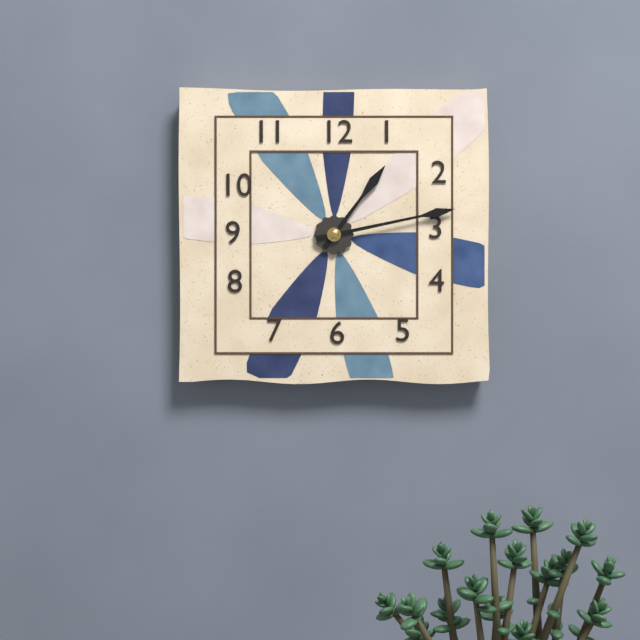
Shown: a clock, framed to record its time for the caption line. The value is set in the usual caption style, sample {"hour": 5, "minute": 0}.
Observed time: {"hour": 1, "minute": 13}
